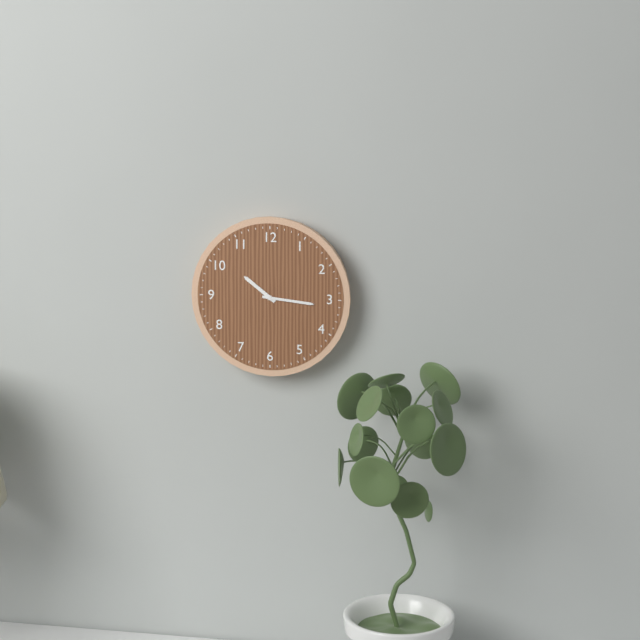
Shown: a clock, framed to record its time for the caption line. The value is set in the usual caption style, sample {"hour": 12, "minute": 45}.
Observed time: {"hour": 10, "minute": 16}
